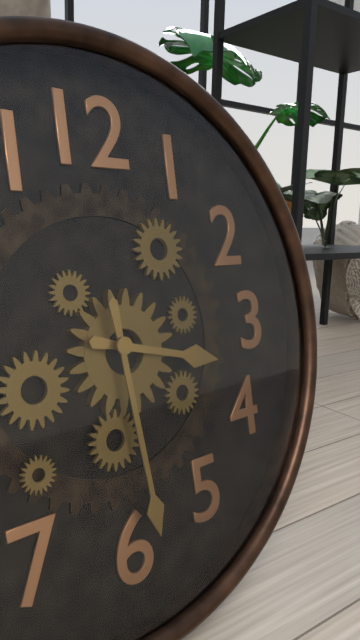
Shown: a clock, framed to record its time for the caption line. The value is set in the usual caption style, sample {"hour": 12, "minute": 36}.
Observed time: {"hour": 3, "minute": 29}
